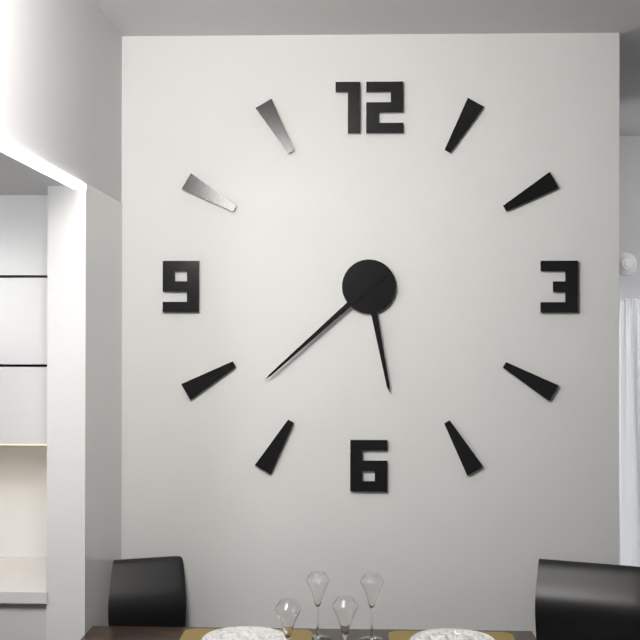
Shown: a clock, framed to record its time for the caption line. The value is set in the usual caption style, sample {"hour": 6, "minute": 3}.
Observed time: {"hour": 5, "minute": 38}
